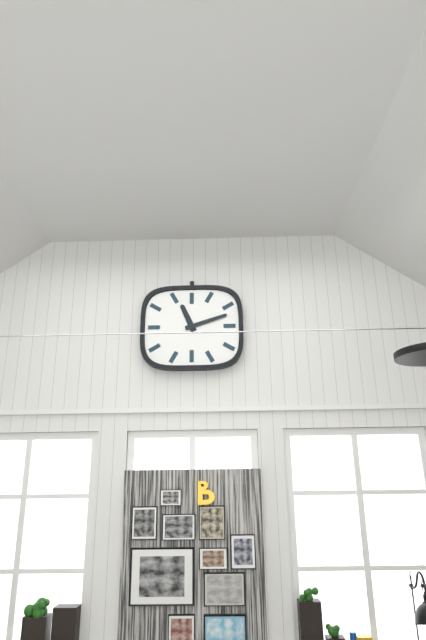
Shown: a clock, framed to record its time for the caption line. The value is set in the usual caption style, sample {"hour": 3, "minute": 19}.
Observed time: {"hour": 11, "minute": 12}
